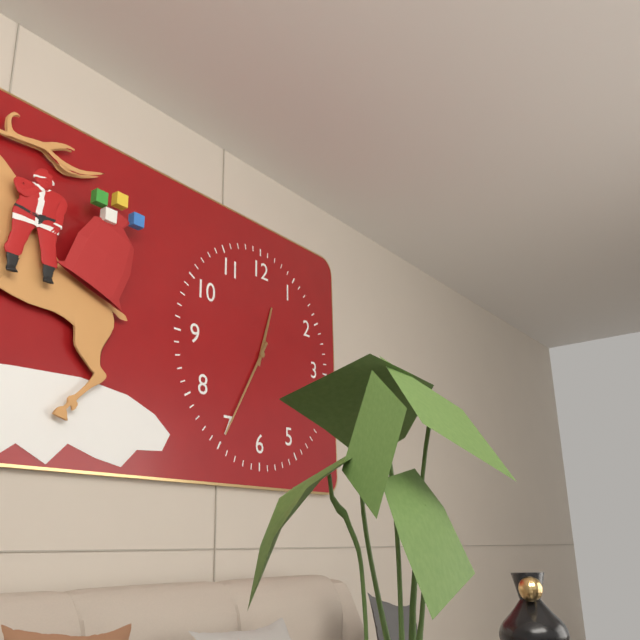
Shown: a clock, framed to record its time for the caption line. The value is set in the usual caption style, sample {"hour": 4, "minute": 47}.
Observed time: {"hour": 12, "minute": 35}
